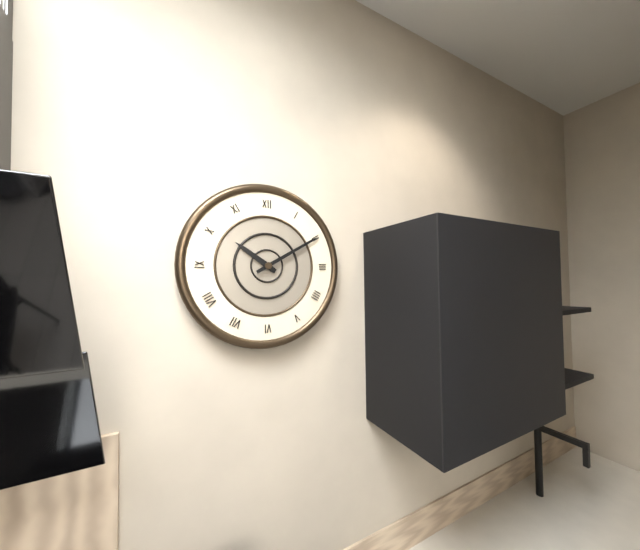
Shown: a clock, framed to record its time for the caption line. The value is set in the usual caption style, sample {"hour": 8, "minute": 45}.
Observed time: {"hour": 10, "minute": 10}
